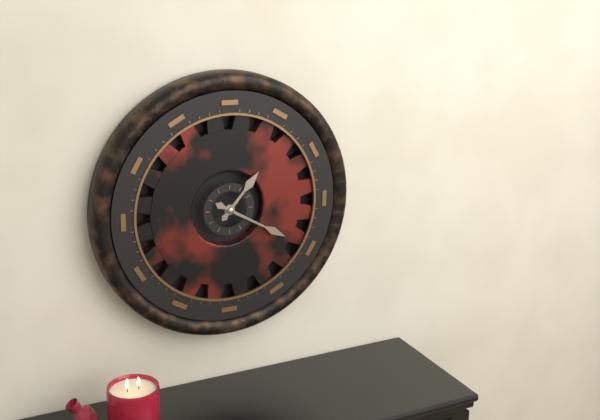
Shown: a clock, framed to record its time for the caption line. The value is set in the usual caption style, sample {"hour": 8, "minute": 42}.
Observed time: {"hour": 1, "minute": 20}
